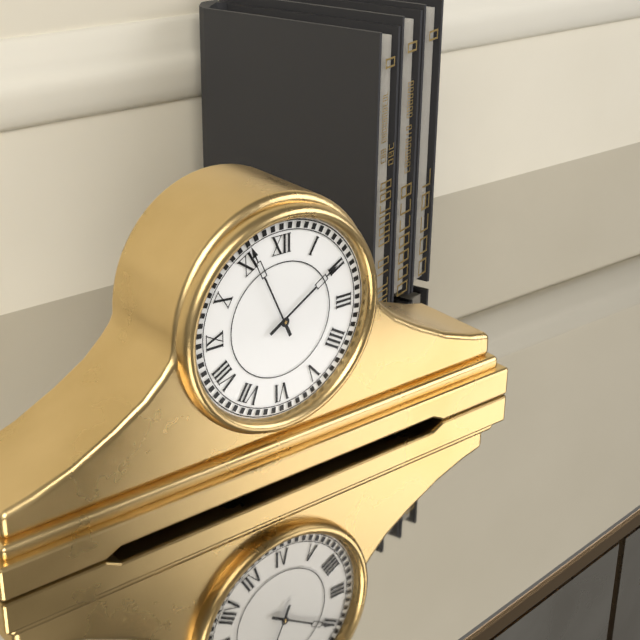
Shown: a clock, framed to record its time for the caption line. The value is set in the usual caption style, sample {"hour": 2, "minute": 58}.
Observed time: {"hour": 1, "minute": 56}
